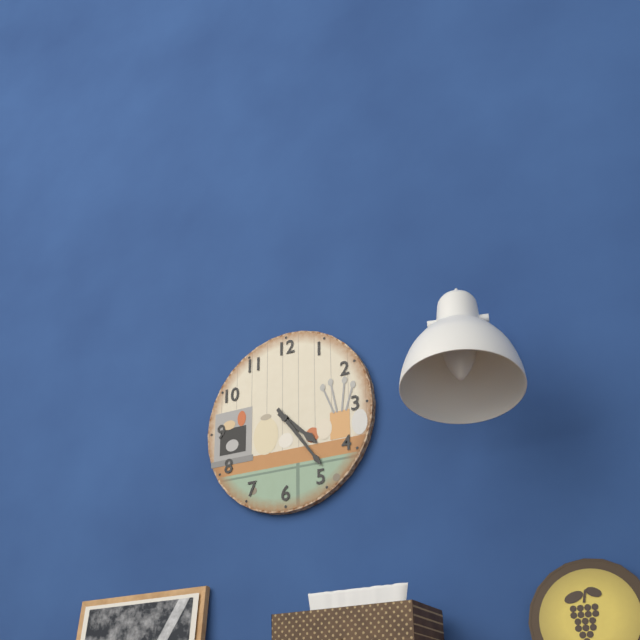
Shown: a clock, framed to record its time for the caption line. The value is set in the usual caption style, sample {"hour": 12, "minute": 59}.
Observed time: {"hour": 4, "minute": 24}
